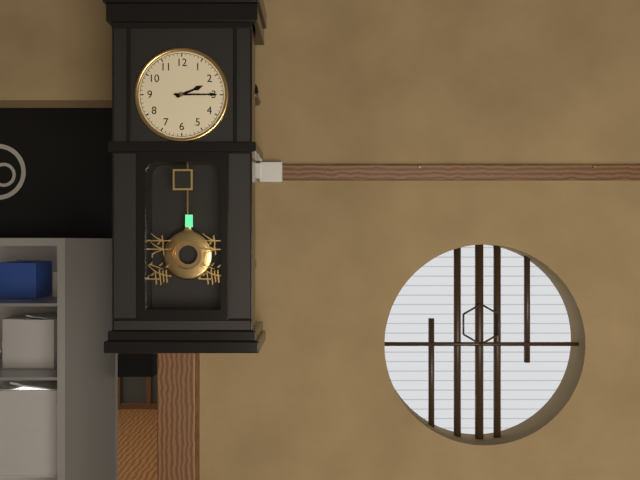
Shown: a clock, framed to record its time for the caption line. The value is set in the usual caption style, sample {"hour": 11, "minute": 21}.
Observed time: {"hour": 2, "minute": 15}
